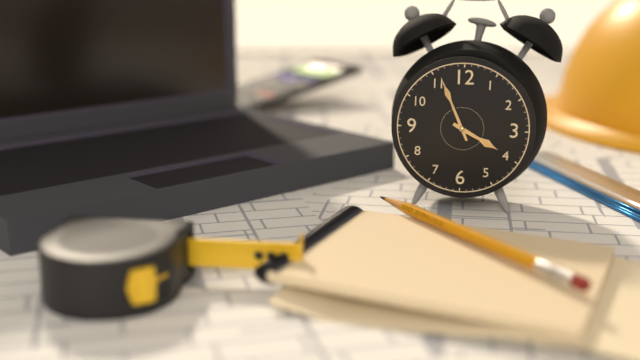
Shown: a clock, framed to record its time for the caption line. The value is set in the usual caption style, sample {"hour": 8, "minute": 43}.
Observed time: {"hour": 3, "minute": 56}
